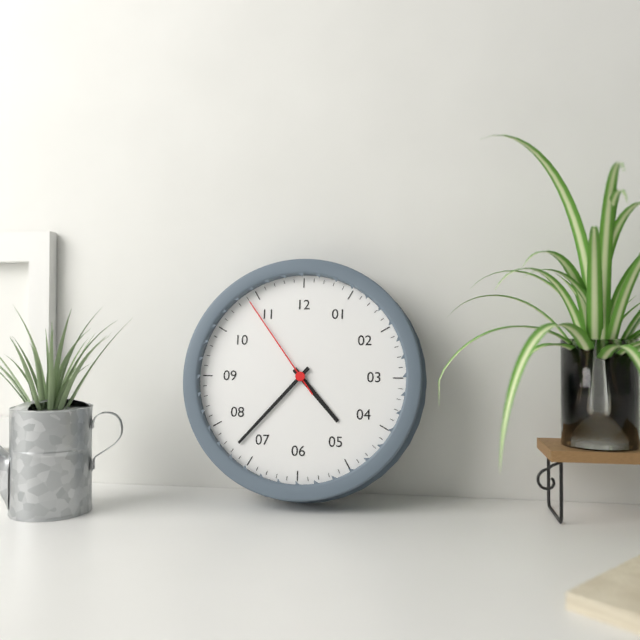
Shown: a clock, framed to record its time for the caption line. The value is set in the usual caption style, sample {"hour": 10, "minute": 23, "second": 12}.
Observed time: {"hour": 4, "minute": 37, "second": 54}
